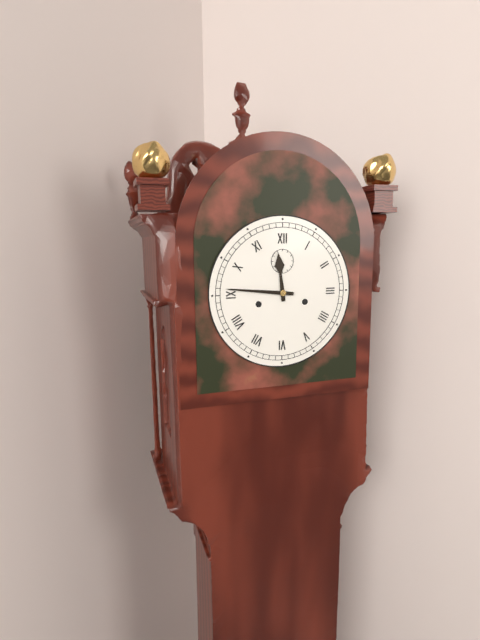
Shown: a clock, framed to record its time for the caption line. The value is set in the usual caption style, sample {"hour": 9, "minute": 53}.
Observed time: {"hour": 11, "minute": 46}
